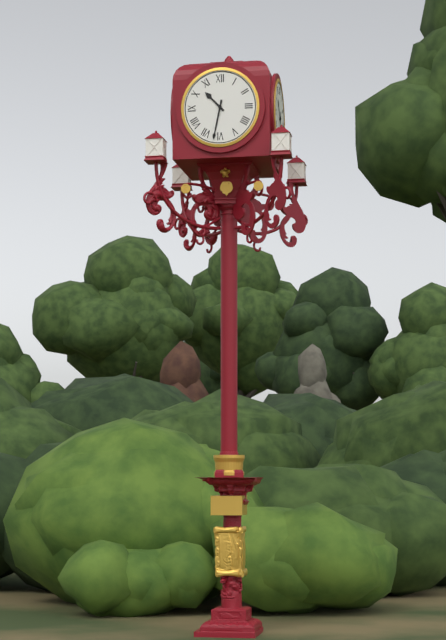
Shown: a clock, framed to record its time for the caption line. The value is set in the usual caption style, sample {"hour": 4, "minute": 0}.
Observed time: {"hour": 10, "minute": 32}
